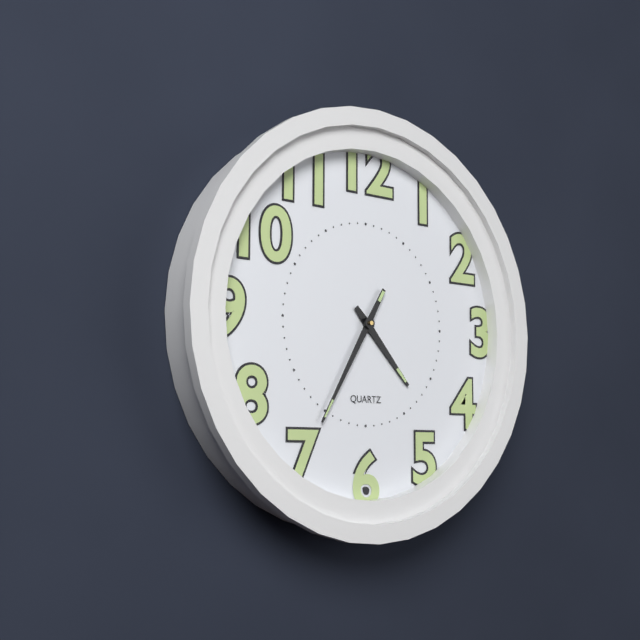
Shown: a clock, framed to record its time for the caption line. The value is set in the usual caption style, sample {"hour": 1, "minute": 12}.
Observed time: {"hour": 4, "minute": 35}
